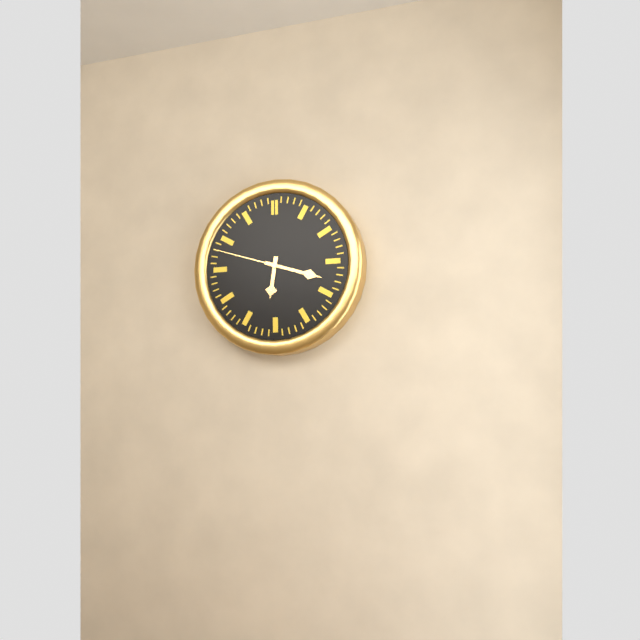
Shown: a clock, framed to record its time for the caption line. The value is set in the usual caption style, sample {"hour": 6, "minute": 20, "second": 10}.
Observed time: {"hour": 6, "minute": 18, "second": 48}
